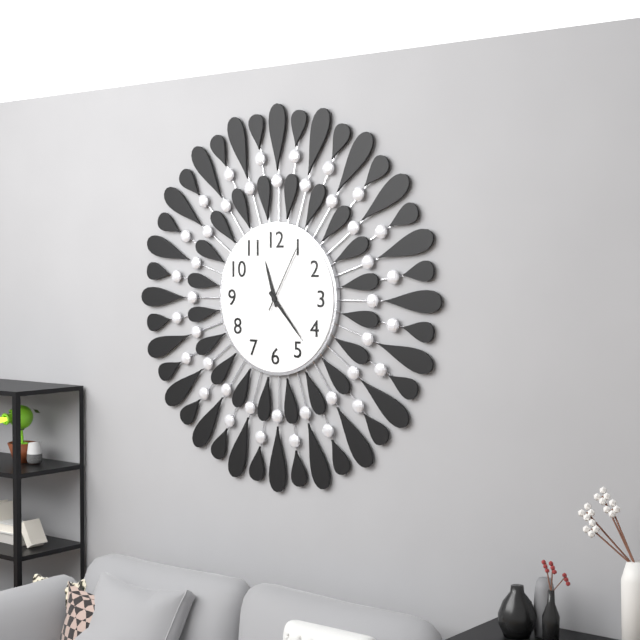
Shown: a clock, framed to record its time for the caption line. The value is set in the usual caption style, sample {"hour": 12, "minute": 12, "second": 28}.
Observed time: {"hour": 11, "minute": 23, "second": 5}
